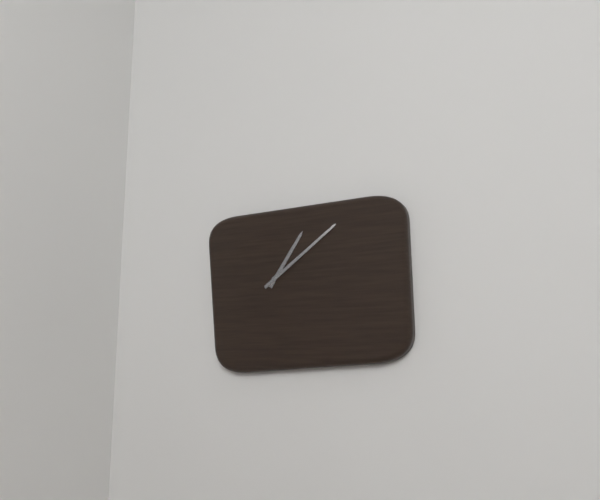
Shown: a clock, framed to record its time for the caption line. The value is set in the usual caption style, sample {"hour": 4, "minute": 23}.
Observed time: {"hour": 1, "minute": 9}
